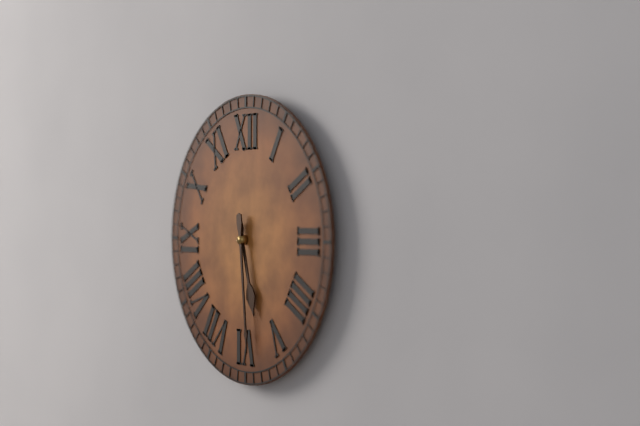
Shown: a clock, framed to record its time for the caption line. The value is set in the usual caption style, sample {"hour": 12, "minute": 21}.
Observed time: {"hour": 5, "minute": 29}
